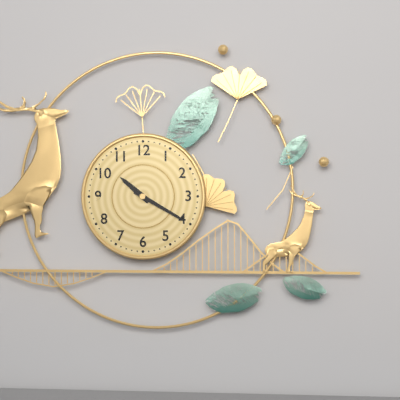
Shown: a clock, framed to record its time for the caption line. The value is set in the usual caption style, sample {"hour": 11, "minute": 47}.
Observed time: {"hour": 10, "minute": 20}
